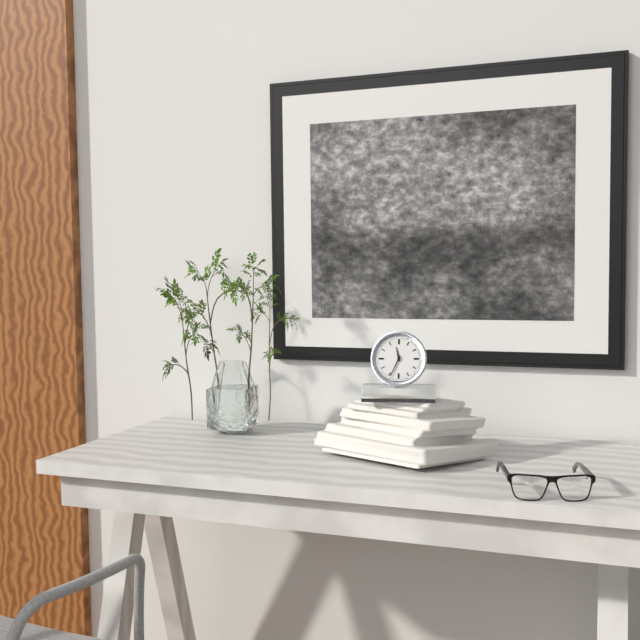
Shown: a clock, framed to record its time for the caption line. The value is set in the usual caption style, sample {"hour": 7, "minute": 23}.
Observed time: {"hour": 11, "minute": 34}
